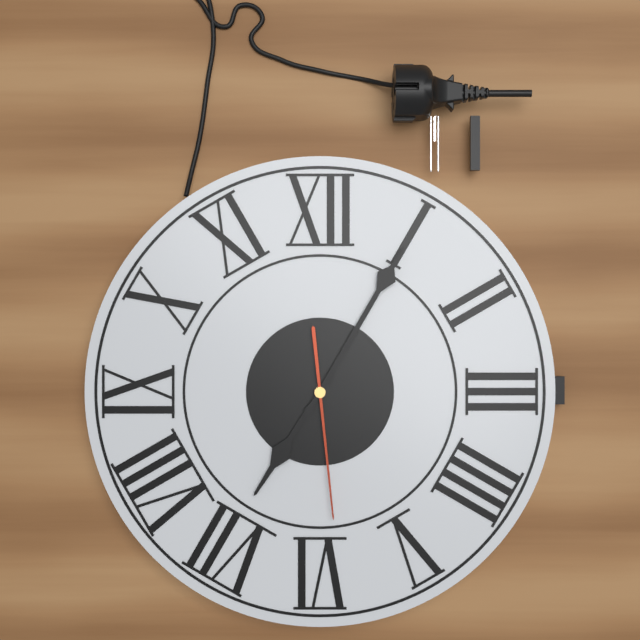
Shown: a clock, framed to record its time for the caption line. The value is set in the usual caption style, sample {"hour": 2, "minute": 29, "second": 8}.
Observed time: {"hour": 7, "minute": 5, "second": 29}
